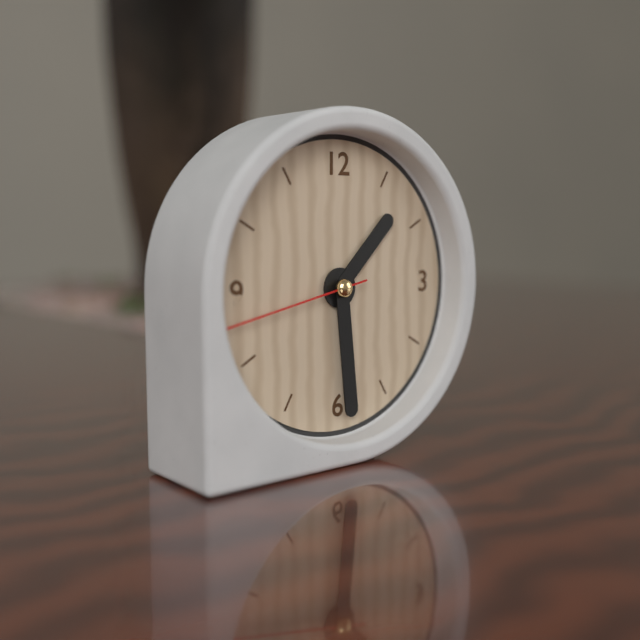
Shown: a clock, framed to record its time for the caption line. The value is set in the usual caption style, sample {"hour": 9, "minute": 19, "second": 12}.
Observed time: {"hour": 1, "minute": 29, "second": 43}
